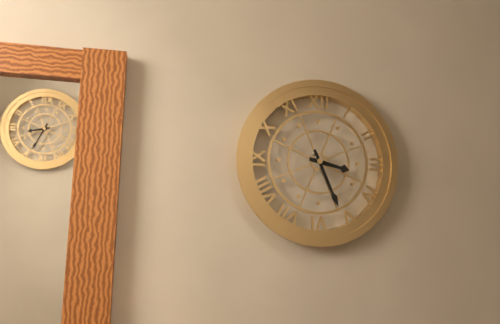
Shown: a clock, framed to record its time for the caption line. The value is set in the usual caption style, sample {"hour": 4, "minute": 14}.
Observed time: {"hour": 3, "minute": 26}
